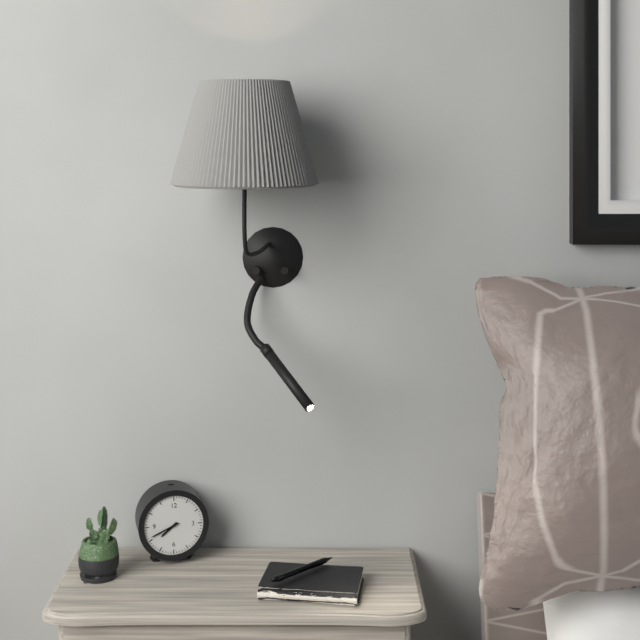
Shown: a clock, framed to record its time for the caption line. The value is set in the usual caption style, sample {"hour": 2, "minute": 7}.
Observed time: {"hour": 7, "minute": 41}
